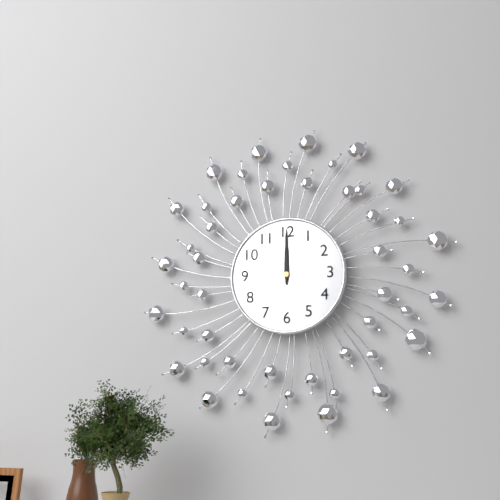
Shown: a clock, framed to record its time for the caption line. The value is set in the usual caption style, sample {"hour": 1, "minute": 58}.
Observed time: {"hour": 12, "minute": 0}
